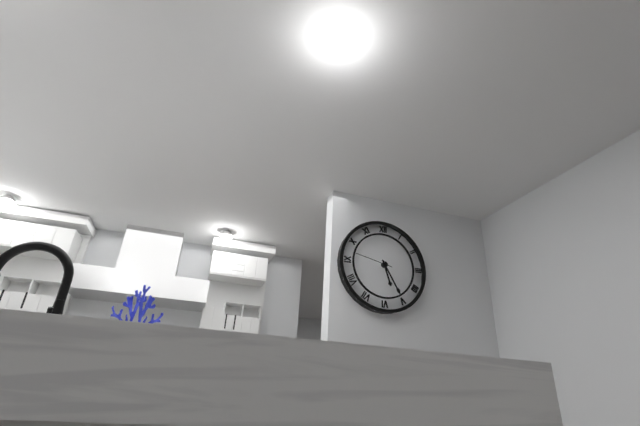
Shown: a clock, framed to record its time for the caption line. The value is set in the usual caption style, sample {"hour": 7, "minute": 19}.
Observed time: {"hour": 5, "minute": 25}
